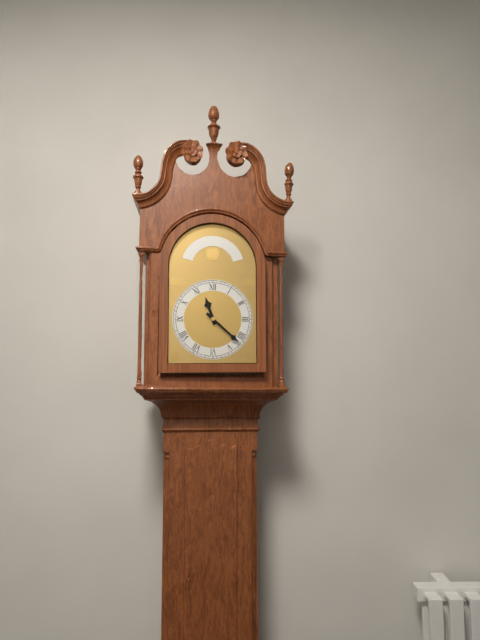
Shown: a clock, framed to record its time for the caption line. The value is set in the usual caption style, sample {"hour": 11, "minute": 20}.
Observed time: {"hour": 11, "minute": 22}
